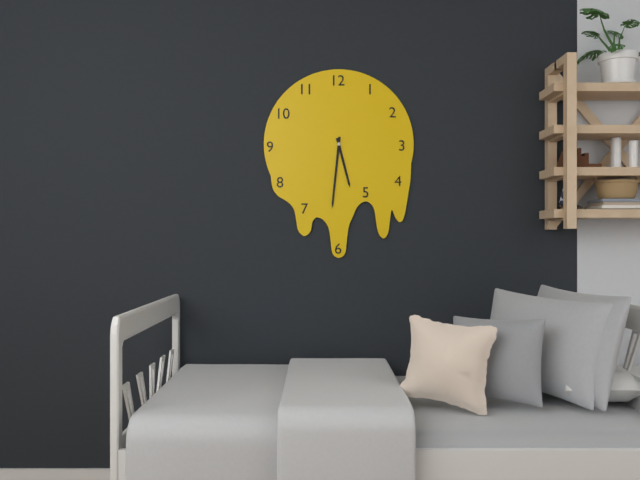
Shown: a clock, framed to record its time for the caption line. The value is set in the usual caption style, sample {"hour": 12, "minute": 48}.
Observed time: {"hour": 5, "minute": 31}
